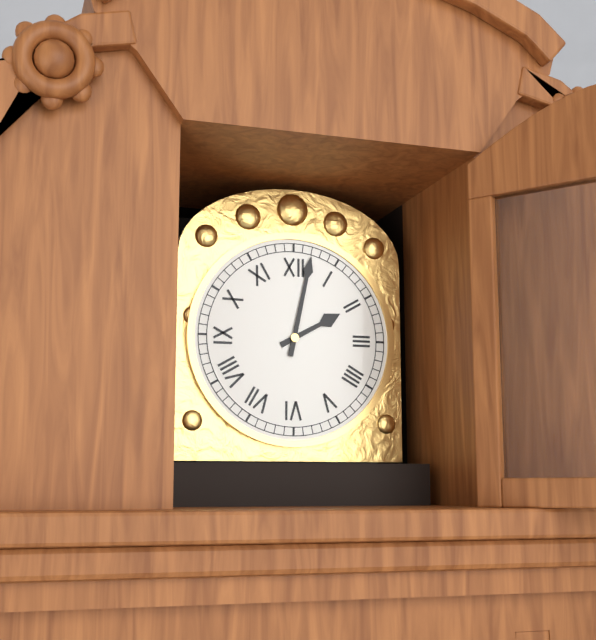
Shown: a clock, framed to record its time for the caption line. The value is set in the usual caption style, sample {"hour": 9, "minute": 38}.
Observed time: {"hour": 2, "minute": 2}
